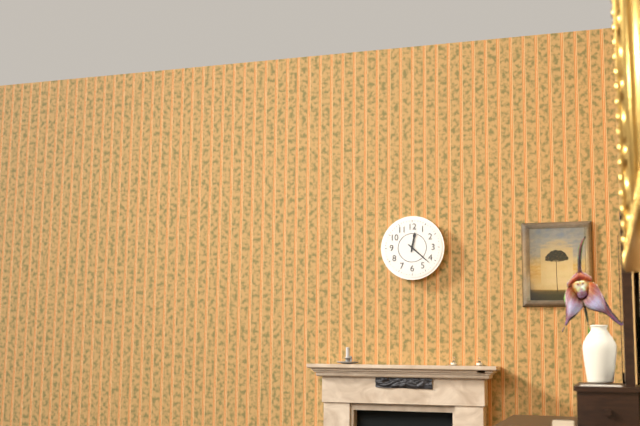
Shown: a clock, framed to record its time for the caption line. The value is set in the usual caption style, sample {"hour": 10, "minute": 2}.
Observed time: {"hour": 12, "minute": 22}
